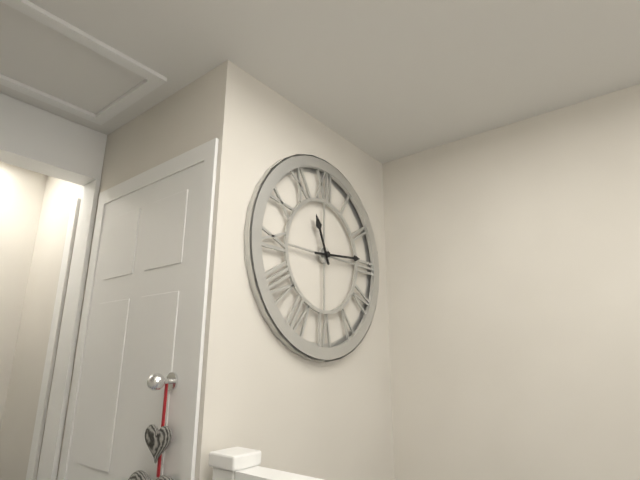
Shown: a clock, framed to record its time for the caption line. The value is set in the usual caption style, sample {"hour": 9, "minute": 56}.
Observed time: {"hour": 11, "minute": 14}
